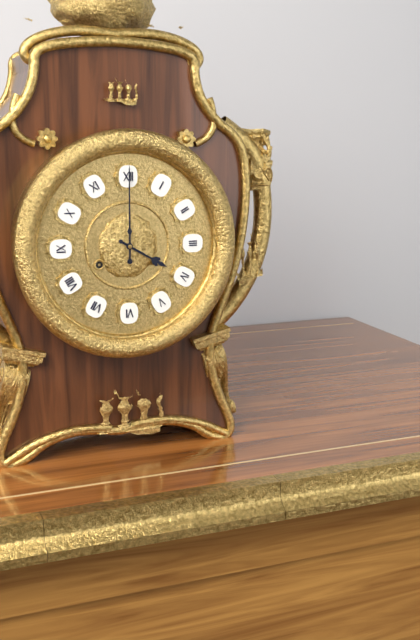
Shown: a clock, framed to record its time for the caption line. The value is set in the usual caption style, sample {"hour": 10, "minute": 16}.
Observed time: {"hour": 4, "minute": 0}
